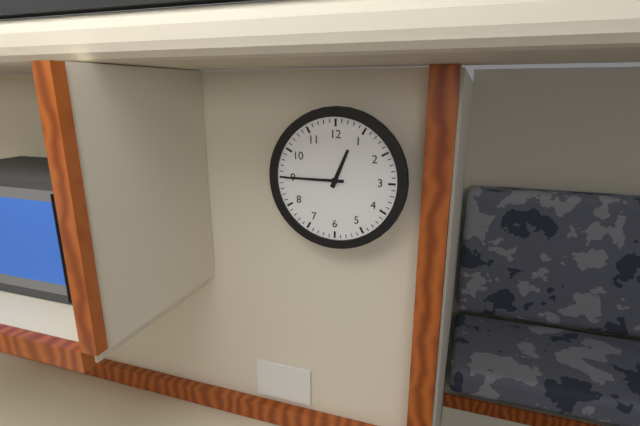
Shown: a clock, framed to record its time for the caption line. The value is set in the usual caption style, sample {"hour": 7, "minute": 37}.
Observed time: {"hour": 12, "minute": 45}
